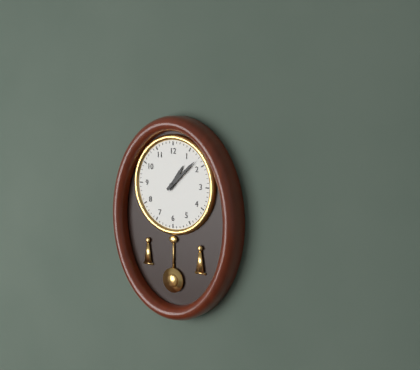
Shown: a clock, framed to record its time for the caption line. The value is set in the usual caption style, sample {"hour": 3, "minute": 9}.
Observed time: {"hour": 1, "minute": 8}
